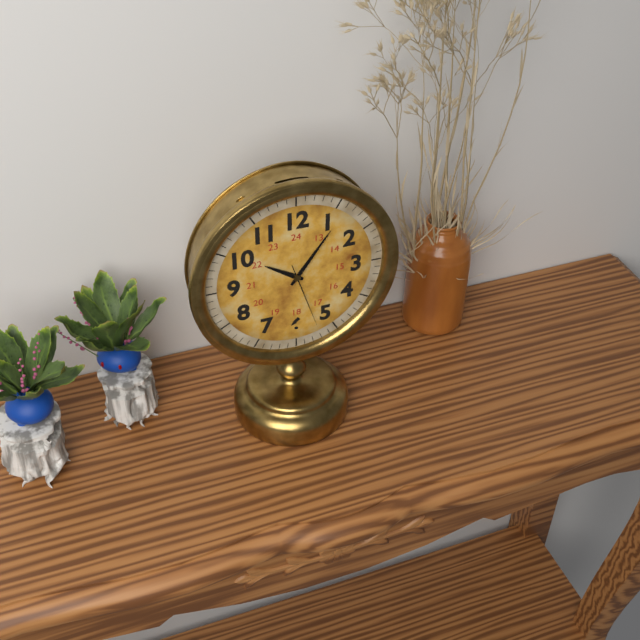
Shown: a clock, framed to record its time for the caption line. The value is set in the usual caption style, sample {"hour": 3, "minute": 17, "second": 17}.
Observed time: {"hour": 10, "minute": 6, "second": 27}
